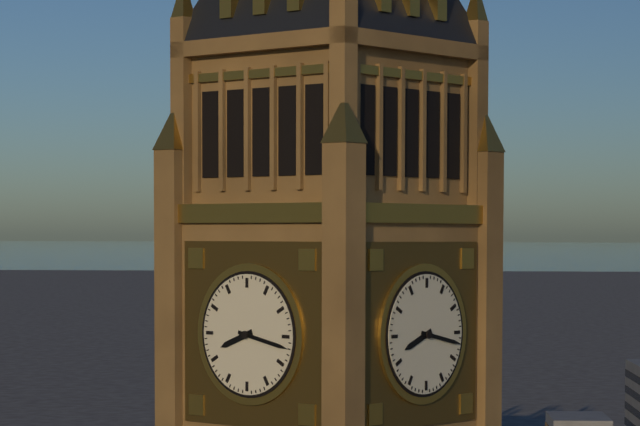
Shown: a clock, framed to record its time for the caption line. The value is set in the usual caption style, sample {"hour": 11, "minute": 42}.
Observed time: {"hour": 8, "minute": 17}
